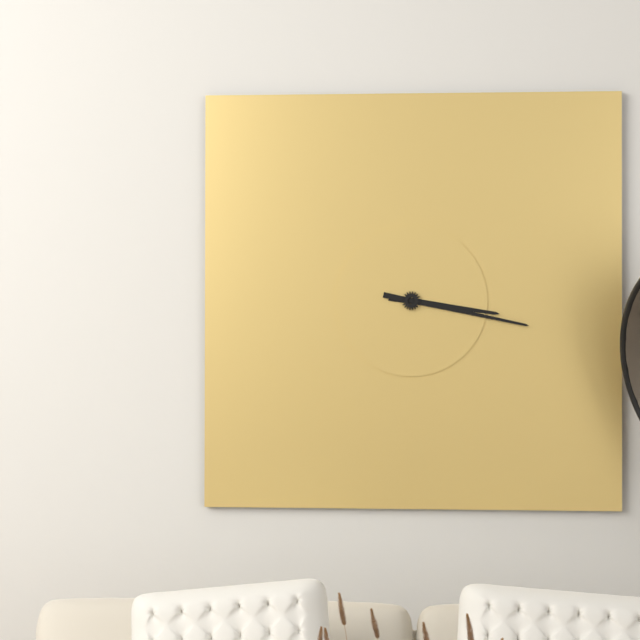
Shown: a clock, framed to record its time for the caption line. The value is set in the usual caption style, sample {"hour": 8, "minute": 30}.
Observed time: {"hour": 3, "minute": 17}
